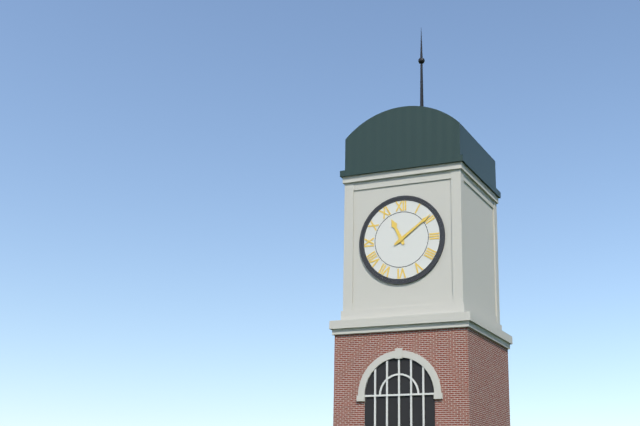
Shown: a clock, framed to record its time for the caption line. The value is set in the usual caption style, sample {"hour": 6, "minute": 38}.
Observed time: {"hour": 11, "minute": 9}
